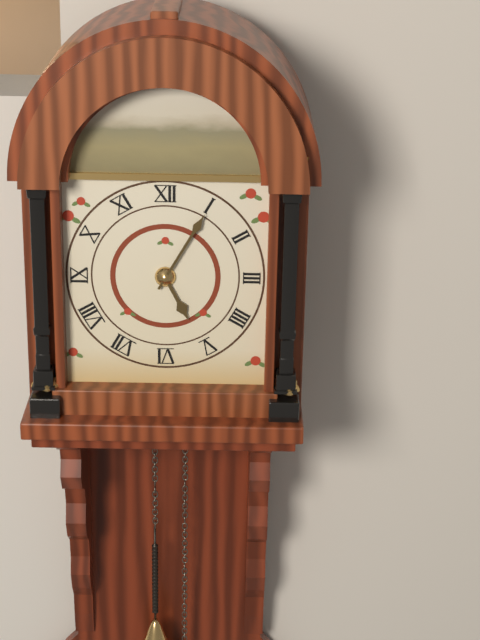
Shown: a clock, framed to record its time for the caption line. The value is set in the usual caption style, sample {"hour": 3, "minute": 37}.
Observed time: {"hour": 5, "minute": 5}
